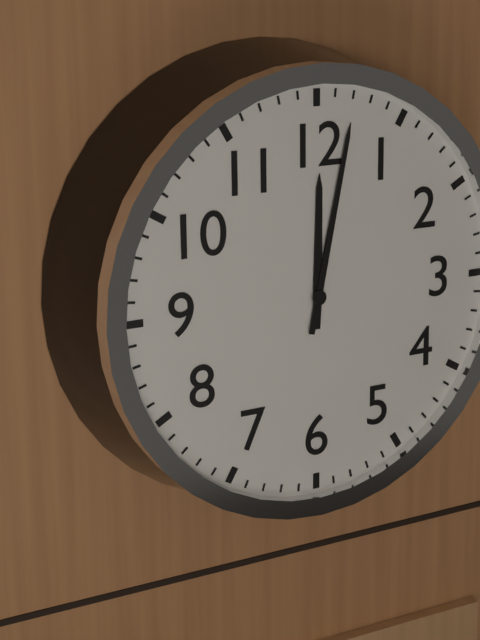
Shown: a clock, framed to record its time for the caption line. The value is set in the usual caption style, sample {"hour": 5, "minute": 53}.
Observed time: {"hour": 12, "minute": 2}
